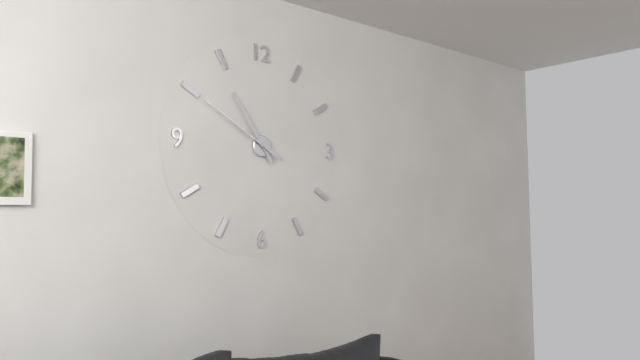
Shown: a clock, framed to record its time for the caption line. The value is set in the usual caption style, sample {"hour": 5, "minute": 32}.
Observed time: {"hour": 10, "minute": 50}
